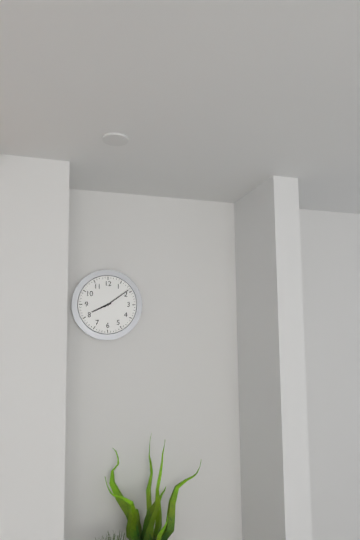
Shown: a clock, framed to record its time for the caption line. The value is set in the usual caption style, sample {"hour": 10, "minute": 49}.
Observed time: {"hour": 8, "minute": 9}
